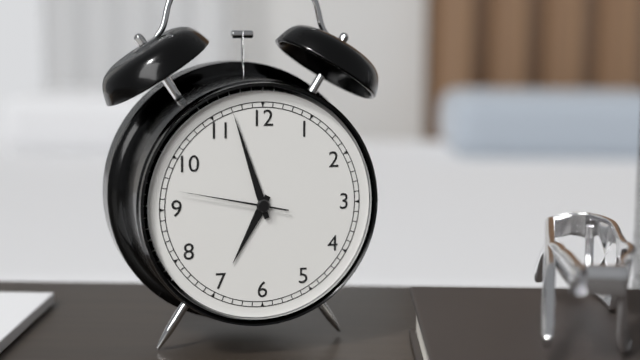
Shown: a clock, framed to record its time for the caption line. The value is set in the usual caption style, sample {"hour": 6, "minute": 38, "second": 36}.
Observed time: {"hour": 6, "minute": 57, "second": 47}
